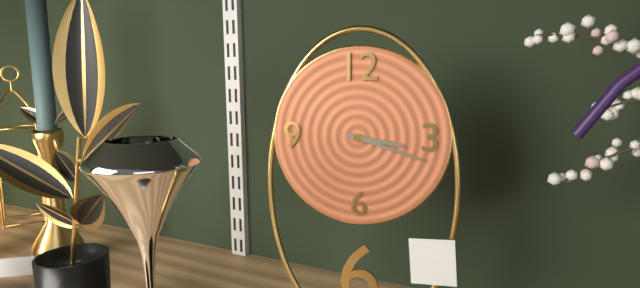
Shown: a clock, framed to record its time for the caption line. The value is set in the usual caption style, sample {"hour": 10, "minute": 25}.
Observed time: {"hour": 3, "minute": 18}
